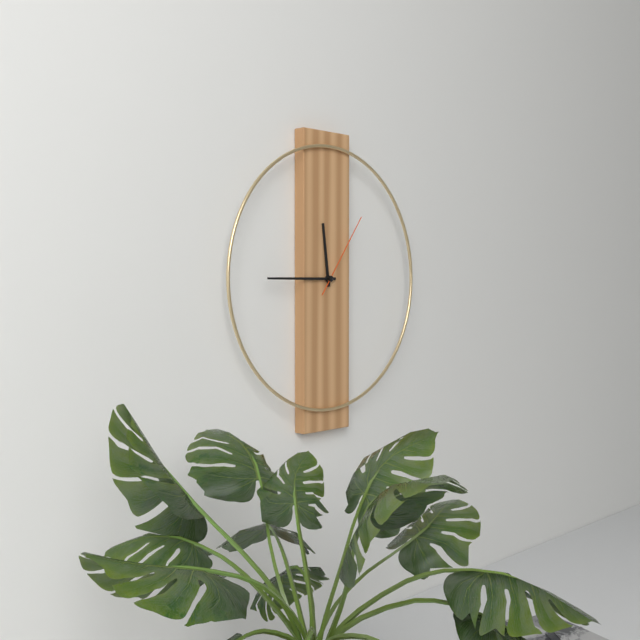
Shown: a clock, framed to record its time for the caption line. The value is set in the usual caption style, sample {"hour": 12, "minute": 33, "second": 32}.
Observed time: {"hour": 11, "minute": 45, "second": 6}
